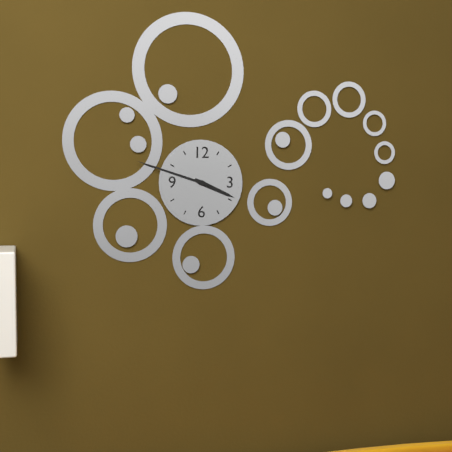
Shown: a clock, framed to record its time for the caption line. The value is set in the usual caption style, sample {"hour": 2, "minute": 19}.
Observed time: {"hour": 3, "minute": 48}
